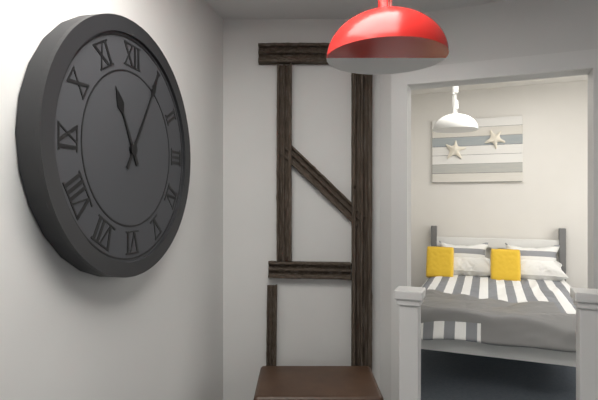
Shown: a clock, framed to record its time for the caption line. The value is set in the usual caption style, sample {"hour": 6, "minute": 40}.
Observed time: {"hour": 11, "minute": 5}
